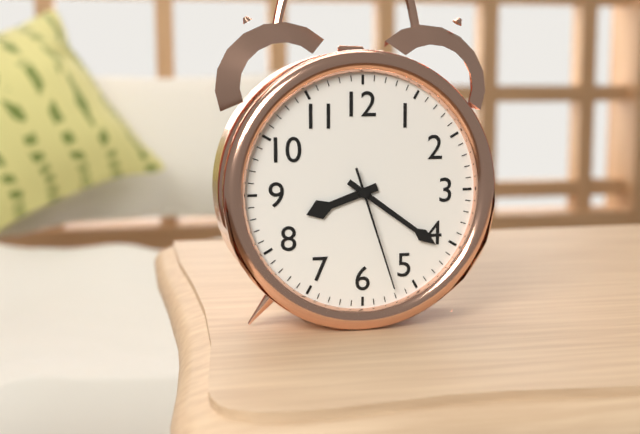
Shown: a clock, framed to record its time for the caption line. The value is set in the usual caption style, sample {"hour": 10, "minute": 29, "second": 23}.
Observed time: {"hour": 8, "minute": 21, "second": 27}
